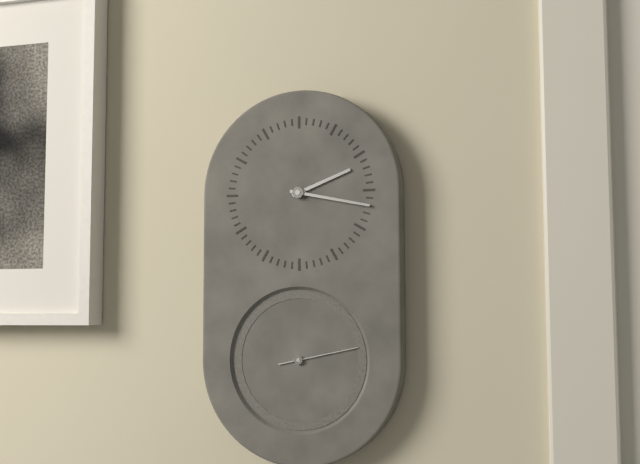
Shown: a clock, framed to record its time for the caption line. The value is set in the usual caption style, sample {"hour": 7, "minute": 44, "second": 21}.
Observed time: {"hour": 2, "minute": 17, "second": 13}
